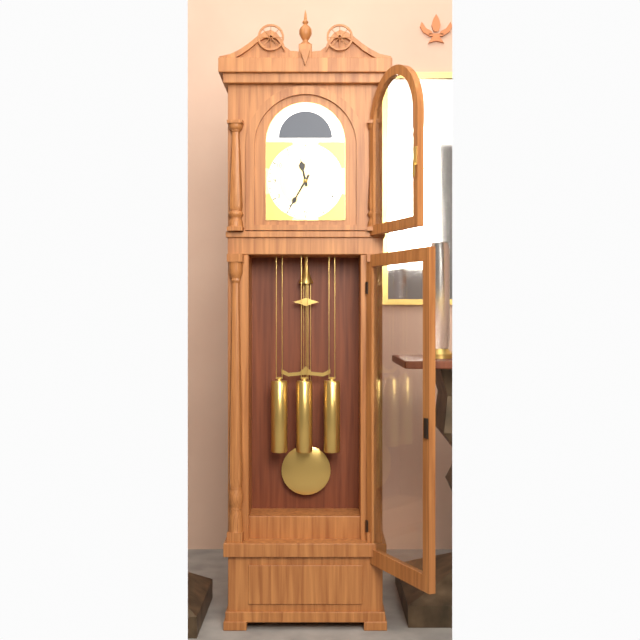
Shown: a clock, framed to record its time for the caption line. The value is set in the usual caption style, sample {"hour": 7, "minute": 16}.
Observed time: {"hour": 11, "minute": 35}
